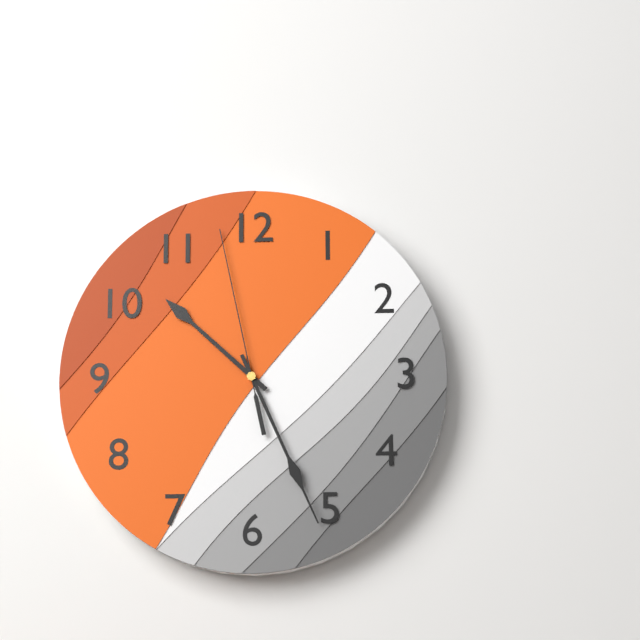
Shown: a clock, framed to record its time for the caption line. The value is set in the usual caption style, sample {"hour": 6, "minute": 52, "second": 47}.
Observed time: {"hour": 10, "minute": 26, "second": 58}
